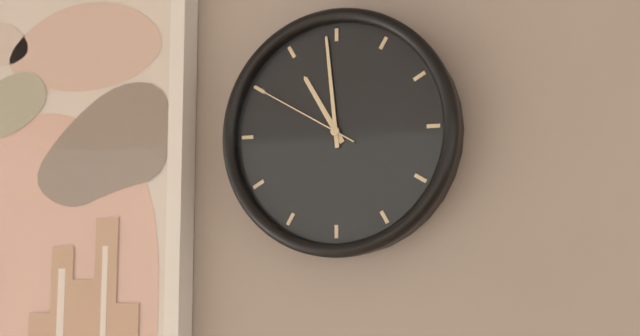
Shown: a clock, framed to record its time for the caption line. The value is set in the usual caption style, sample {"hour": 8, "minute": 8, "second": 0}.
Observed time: {"hour": 10, "minute": 59, "second": 50}
